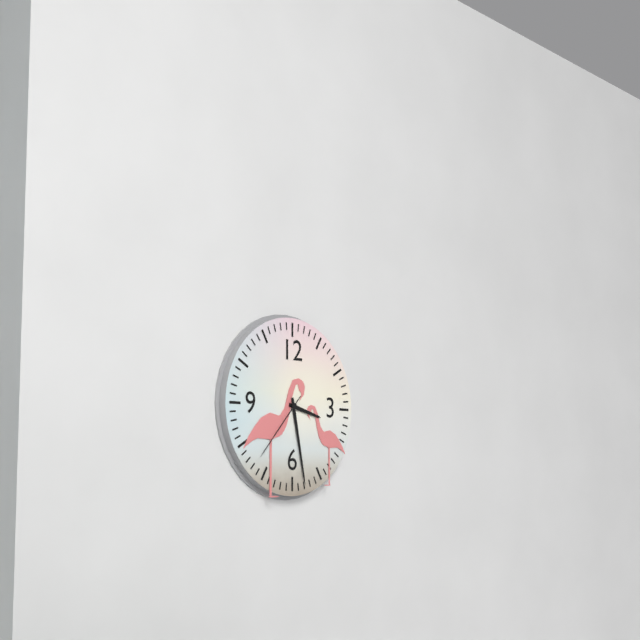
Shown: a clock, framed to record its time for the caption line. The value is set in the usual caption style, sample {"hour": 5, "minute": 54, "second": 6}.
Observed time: {"hour": 3, "minute": 28, "second": 37}
